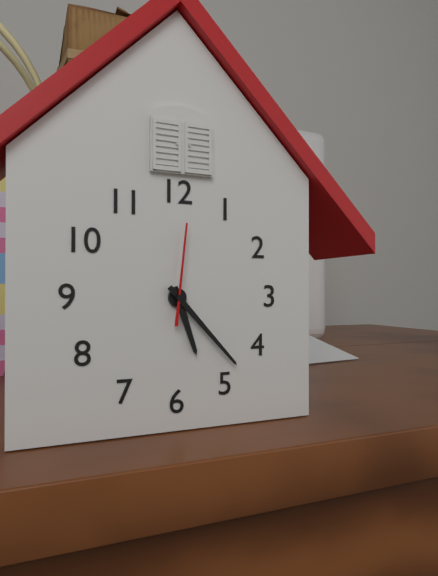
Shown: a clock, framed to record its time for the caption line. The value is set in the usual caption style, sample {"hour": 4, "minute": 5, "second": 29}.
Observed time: {"hour": 5, "minute": 23, "second": 1}
